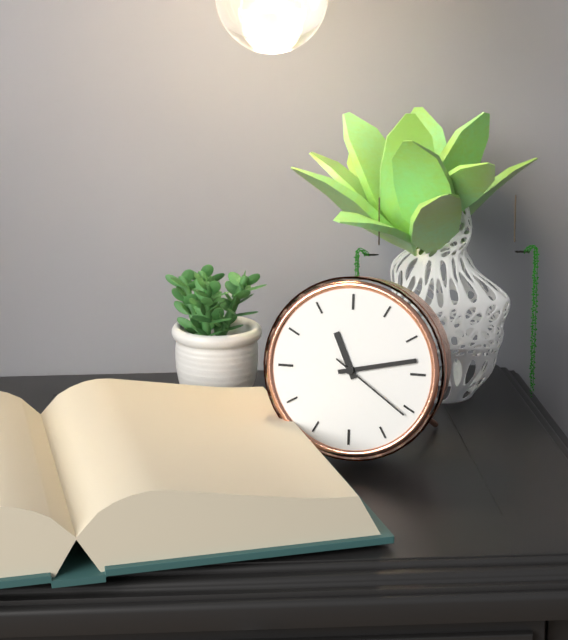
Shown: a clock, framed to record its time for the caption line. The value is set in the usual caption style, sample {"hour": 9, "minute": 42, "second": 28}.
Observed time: {"hour": 11, "minute": 13, "second": 21}
